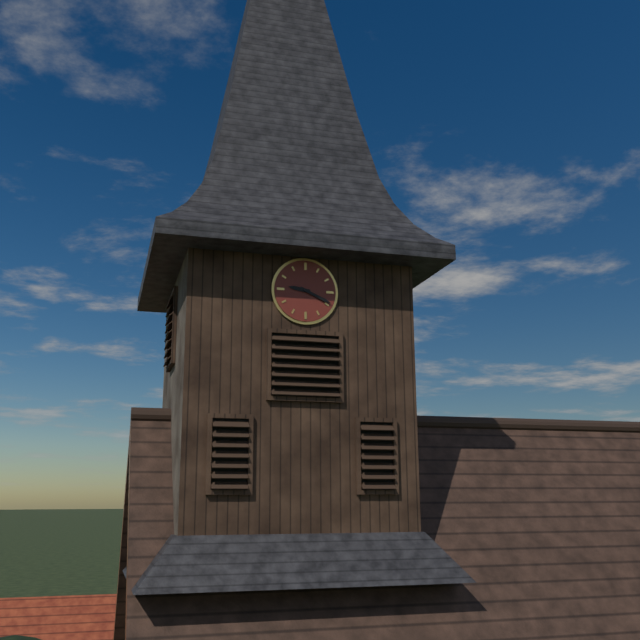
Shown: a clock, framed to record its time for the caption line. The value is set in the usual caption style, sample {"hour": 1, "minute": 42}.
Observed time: {"hour": 9, "minute": 19}
